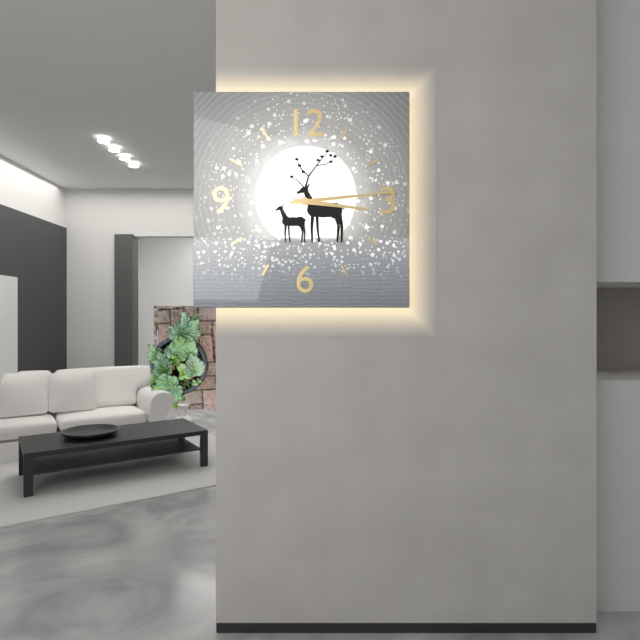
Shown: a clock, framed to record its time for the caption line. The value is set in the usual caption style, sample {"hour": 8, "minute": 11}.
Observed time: {"hour": 3, "minute": 14}
